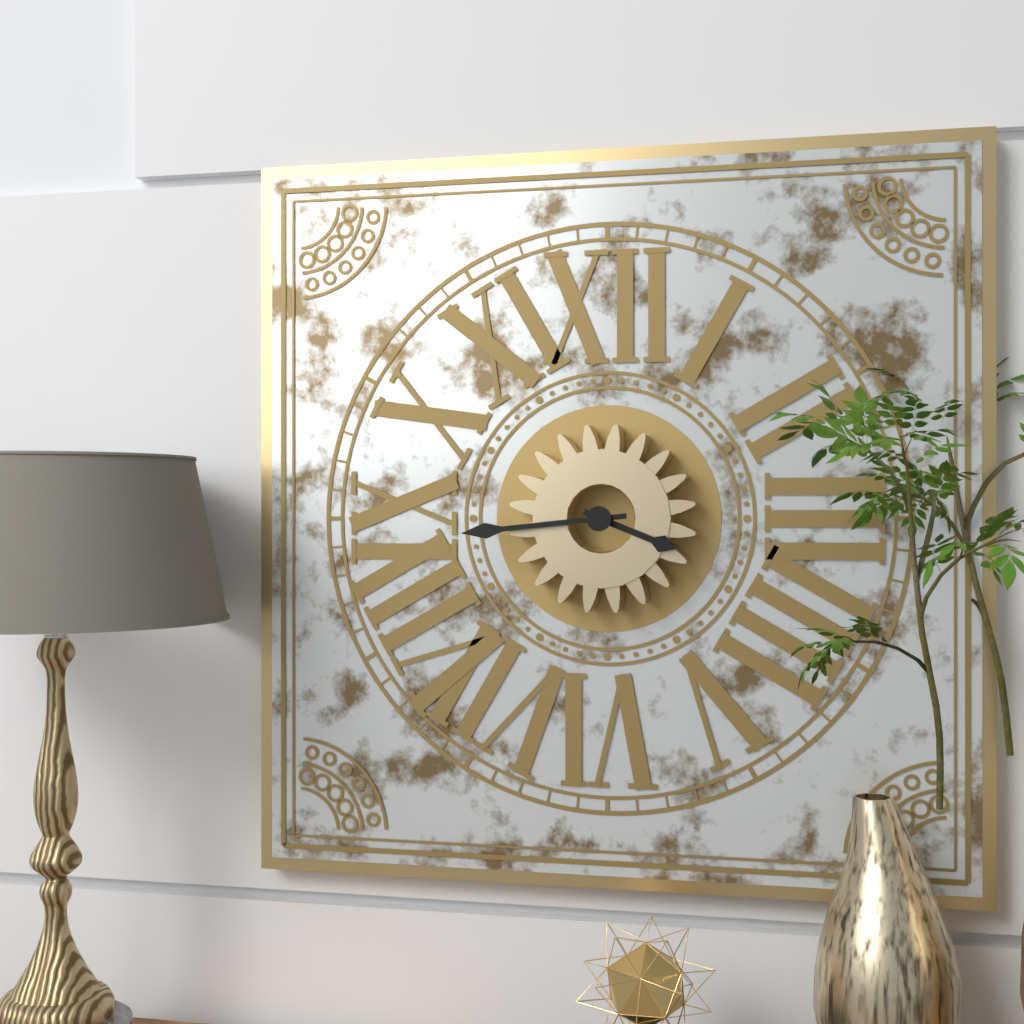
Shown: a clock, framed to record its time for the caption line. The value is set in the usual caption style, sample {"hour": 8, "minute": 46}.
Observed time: {"hour": 3, "minute": 44}
